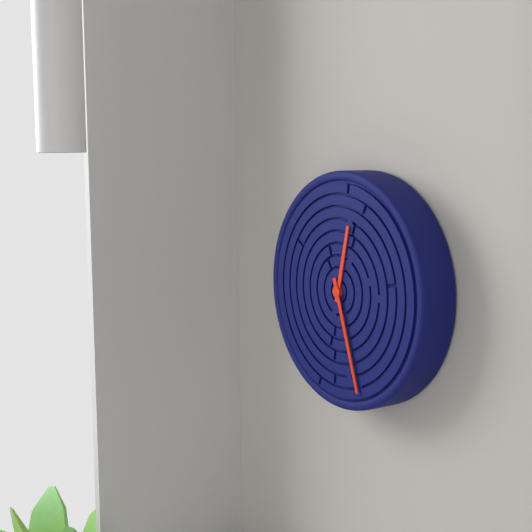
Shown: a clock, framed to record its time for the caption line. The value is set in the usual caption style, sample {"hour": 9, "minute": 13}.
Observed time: {"hour": 12, "minute": 27}
